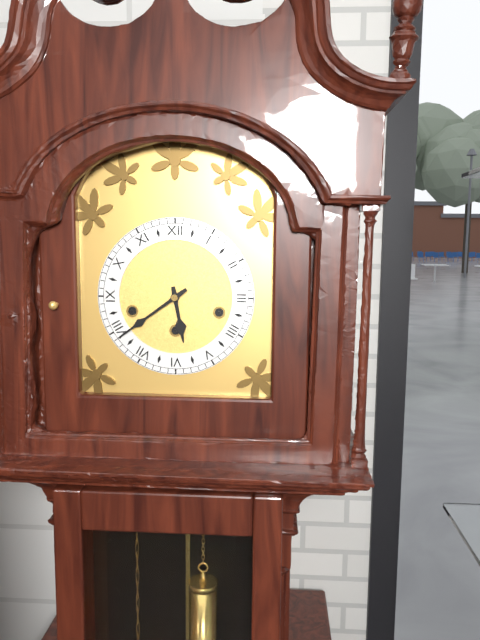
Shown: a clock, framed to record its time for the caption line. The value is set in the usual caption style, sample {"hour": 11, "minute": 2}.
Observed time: {"hour": 5, "minute": 39}
